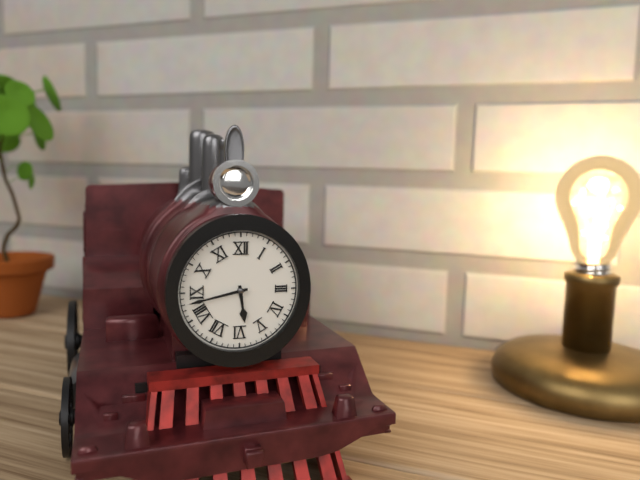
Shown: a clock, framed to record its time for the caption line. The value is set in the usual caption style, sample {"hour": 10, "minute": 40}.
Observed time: {"hour": 5, "minute": 43}
